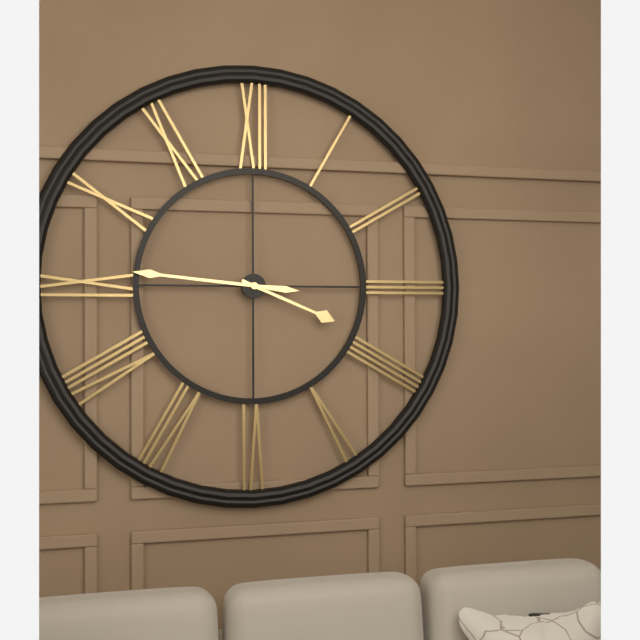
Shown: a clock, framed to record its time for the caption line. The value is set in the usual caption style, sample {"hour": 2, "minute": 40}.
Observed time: {"hour": 3, "minute": 46}
